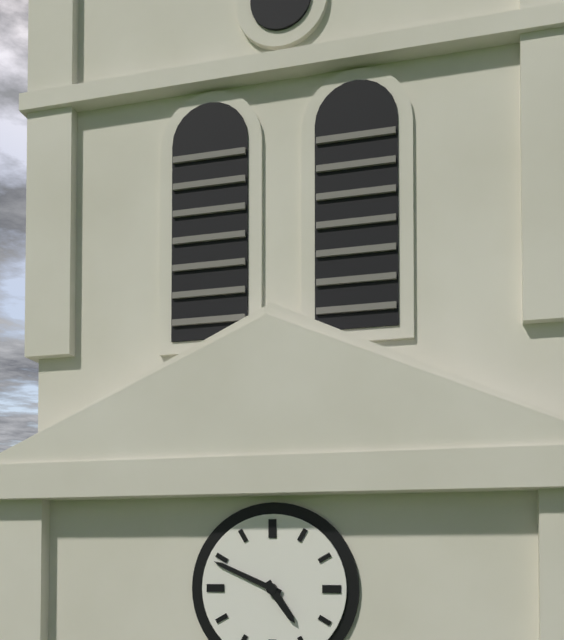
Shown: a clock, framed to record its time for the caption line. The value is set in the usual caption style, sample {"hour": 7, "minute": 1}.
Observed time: {"hour": 4, "minute": 49}
